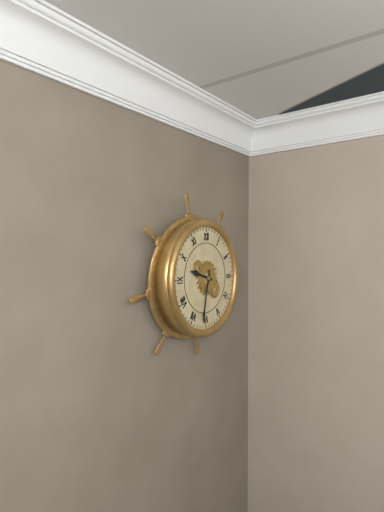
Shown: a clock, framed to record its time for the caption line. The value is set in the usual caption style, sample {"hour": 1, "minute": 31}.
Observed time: {"hour": 9, "minute": 32}
